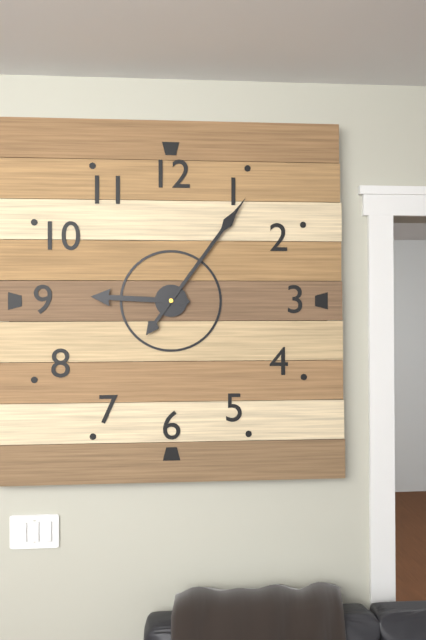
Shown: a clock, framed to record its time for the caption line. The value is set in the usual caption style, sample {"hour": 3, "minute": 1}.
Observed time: {"hour": 9, "minute": 6}
